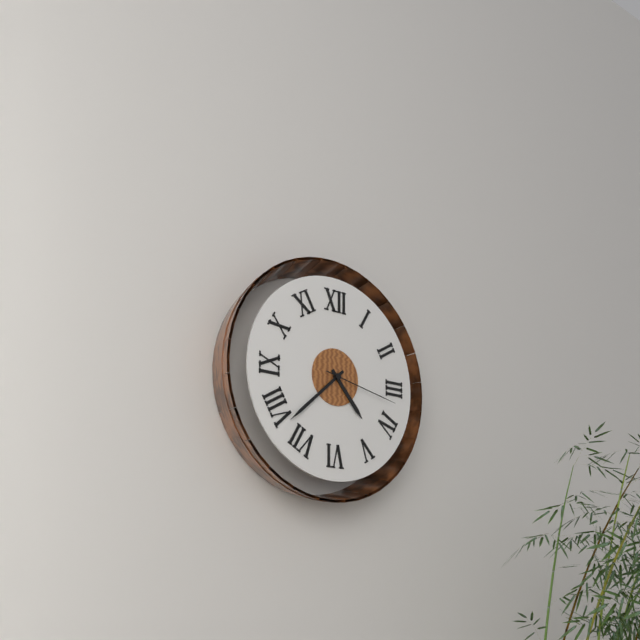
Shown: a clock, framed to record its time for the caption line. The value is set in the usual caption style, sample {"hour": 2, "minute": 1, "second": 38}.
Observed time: {"hour": 4, "minute": 38, "second": 17}
